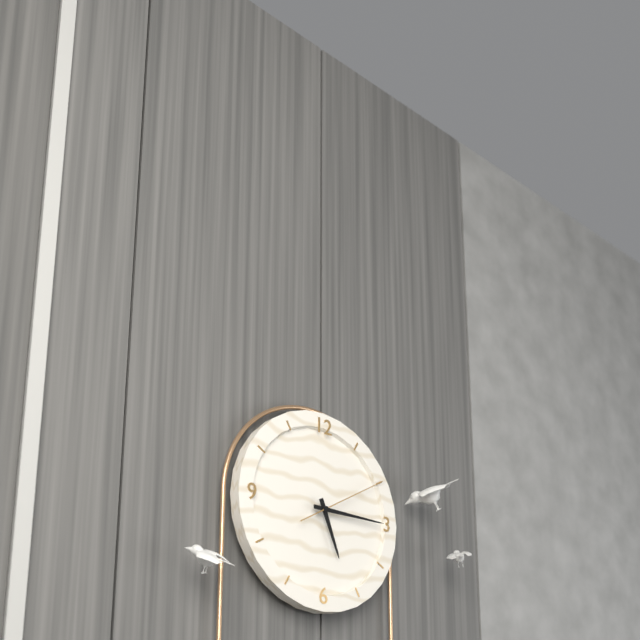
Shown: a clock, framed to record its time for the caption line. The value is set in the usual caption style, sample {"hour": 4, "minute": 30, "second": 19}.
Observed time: {"hour": 5, "minute": 15, "second": 10}
